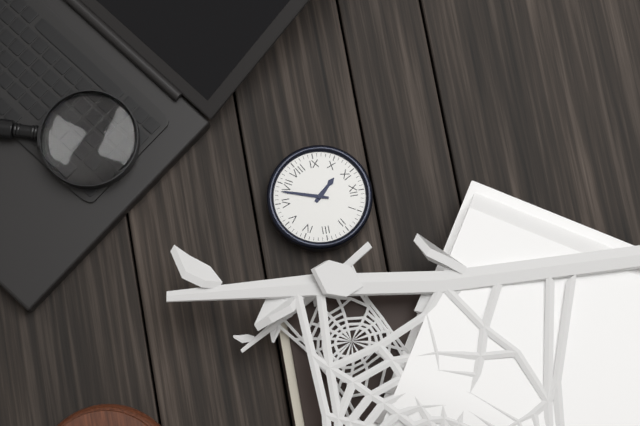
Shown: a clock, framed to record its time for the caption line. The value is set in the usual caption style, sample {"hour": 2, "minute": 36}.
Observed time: {"hour": 10, "minute": 33}
